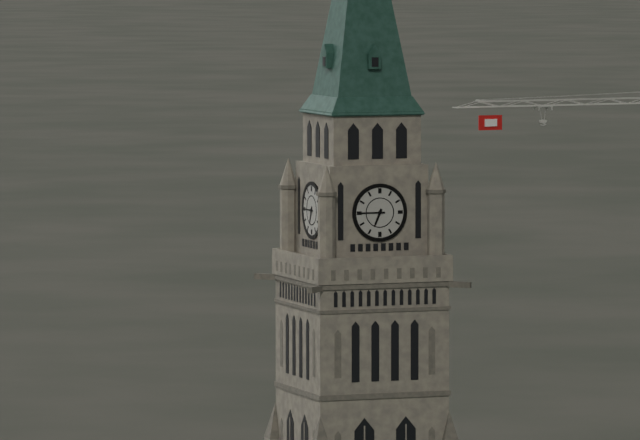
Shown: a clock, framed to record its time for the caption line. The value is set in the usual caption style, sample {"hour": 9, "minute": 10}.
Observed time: {"hour": 6, "minute": 45}
